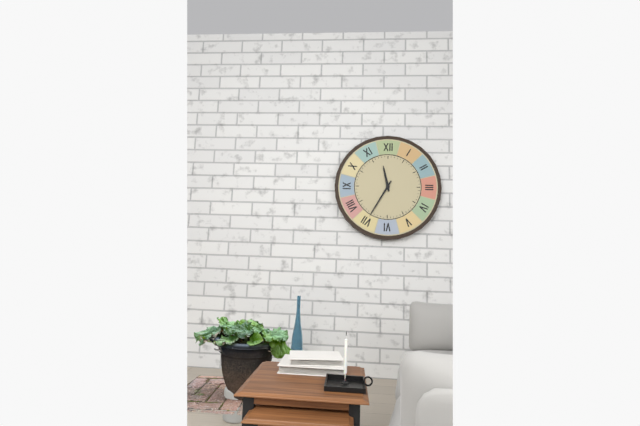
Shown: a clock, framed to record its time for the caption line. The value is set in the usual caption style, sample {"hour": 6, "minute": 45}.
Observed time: {"hour": 11, "minute": 35}
